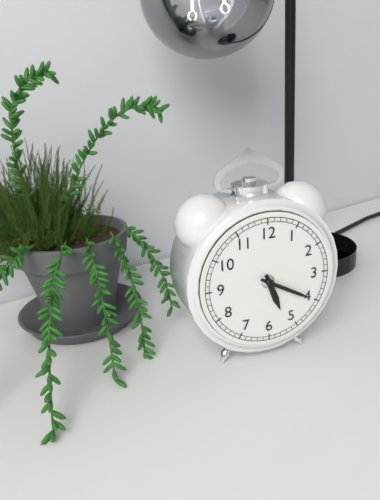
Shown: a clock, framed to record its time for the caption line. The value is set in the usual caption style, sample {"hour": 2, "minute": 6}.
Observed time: {"hour": 5, "minute": 20}
